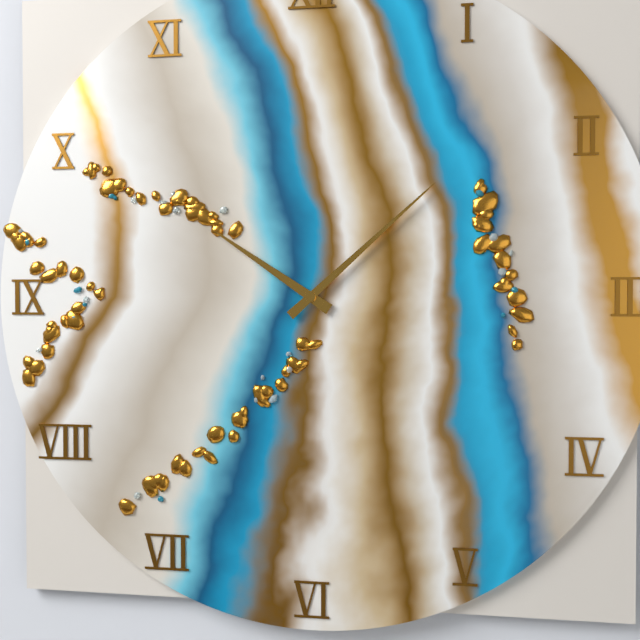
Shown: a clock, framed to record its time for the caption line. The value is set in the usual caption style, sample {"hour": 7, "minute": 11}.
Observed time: {"hour": 10, "minute": 8}
